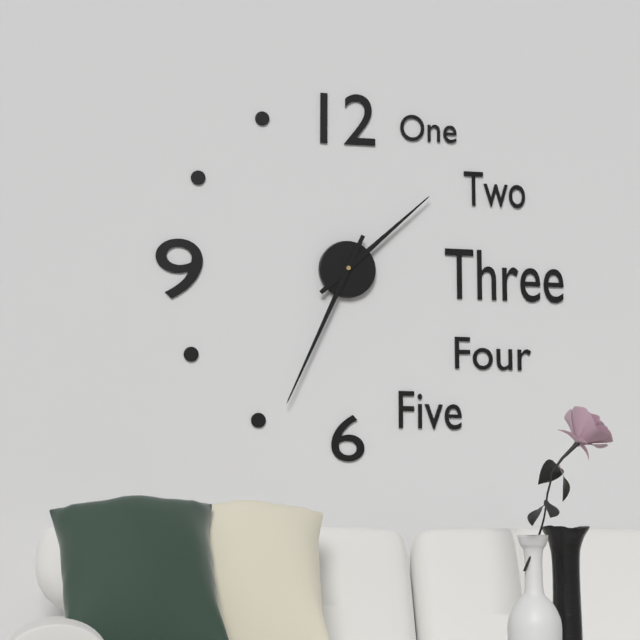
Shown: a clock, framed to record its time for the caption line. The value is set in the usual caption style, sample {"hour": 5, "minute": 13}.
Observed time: {"hour": 1, "minute": 34}
